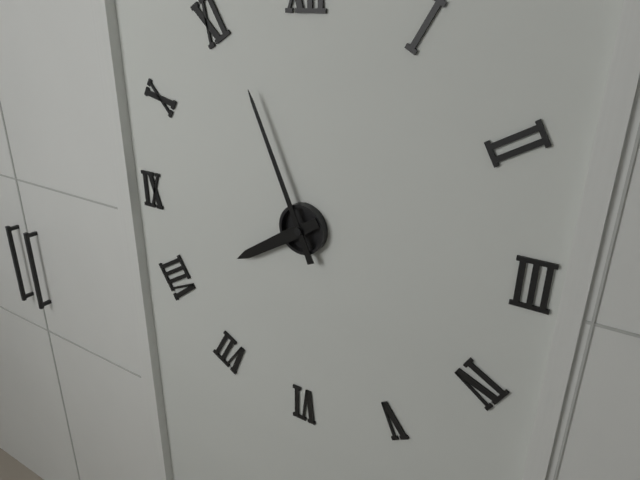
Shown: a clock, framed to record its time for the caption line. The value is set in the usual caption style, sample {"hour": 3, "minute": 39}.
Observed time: {"hour": 7, "minute": 56}
